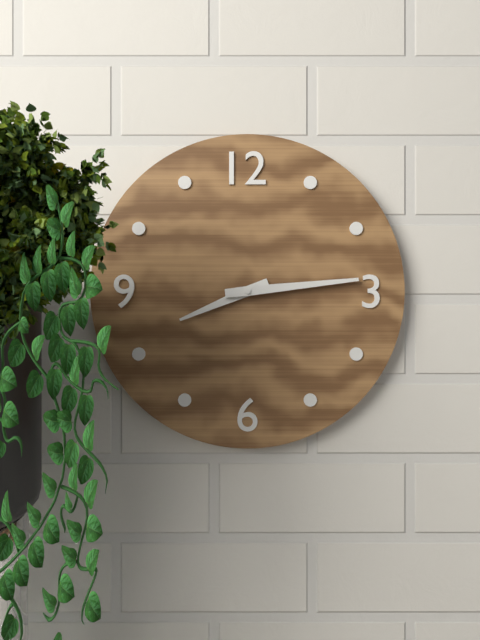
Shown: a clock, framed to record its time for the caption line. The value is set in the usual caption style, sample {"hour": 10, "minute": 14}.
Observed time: {"hour": 8, "minute": 14}
